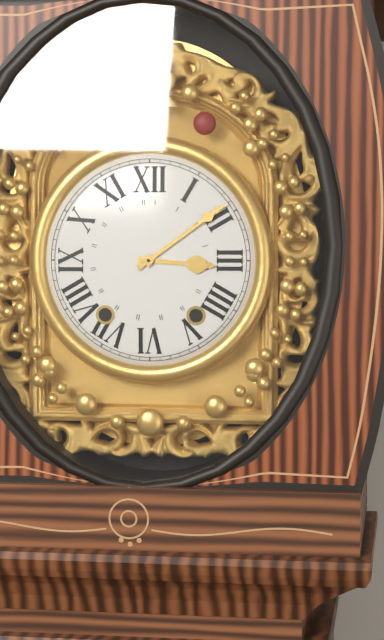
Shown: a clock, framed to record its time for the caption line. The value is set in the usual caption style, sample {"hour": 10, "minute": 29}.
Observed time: {"hour": 3, "minute": 9}
